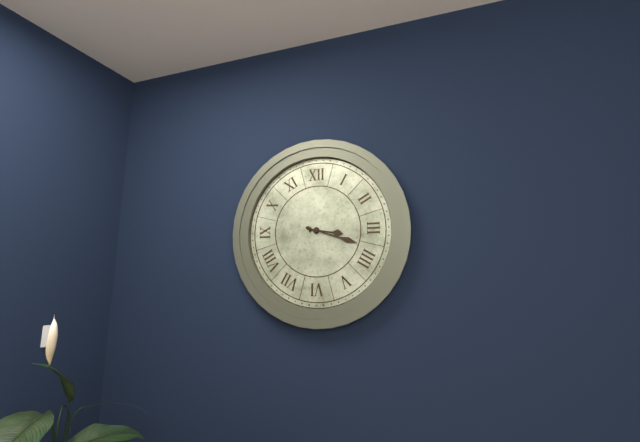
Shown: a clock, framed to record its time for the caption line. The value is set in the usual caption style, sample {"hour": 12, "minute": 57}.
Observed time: {"hour": 3, "minute": 18}
